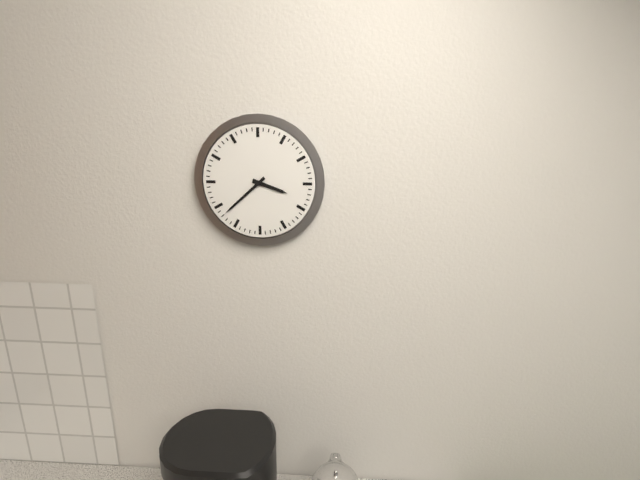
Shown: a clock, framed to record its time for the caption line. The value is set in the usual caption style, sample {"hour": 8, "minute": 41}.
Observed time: {"hour": 3, "minute": 38}
